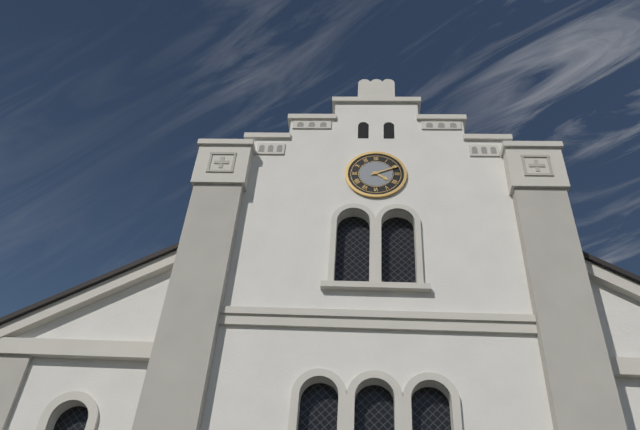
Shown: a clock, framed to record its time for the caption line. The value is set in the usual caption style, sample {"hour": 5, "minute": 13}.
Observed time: {"hour": 4, "minute": 11}
